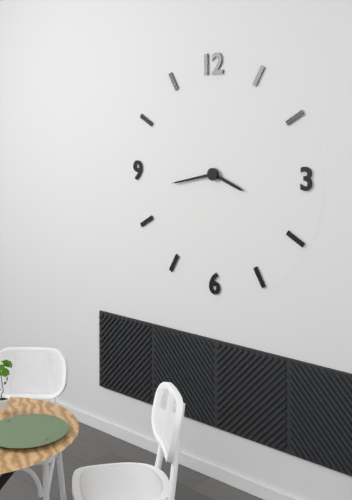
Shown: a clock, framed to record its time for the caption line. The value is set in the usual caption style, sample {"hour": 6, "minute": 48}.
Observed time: {"hour": 3, "minute": 43}
